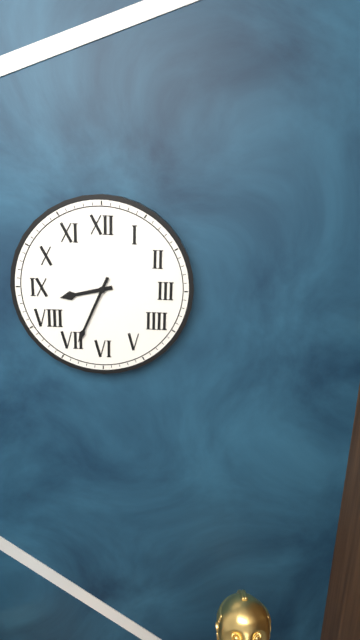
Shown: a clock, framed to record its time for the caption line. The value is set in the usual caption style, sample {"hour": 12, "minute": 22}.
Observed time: {"hour": 8, "minute": 34}
